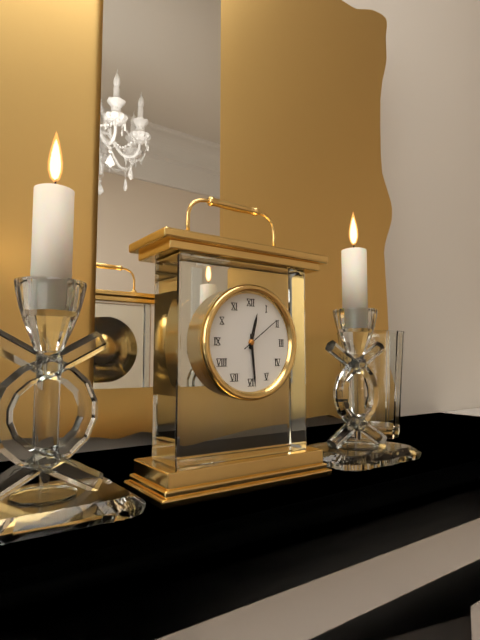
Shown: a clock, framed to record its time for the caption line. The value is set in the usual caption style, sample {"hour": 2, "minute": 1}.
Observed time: {"hour": 12, "minute": 29}
